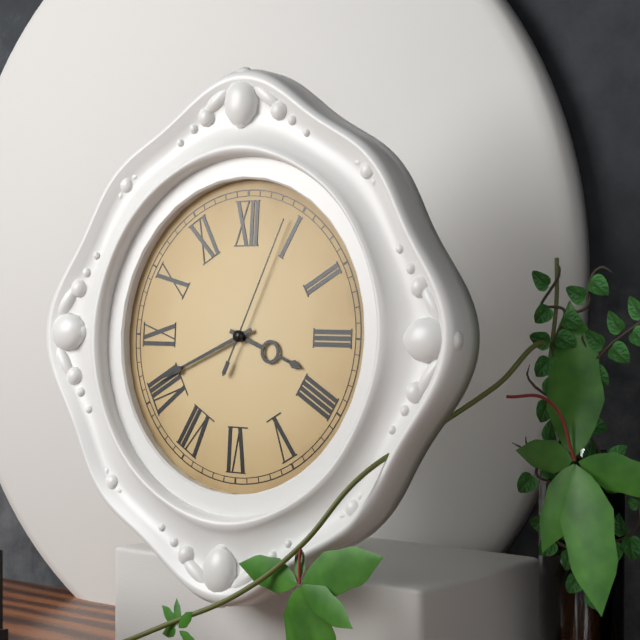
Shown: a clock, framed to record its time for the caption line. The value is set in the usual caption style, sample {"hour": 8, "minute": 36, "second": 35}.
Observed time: {"hour": 3, "minute": 41, "second": 4}
